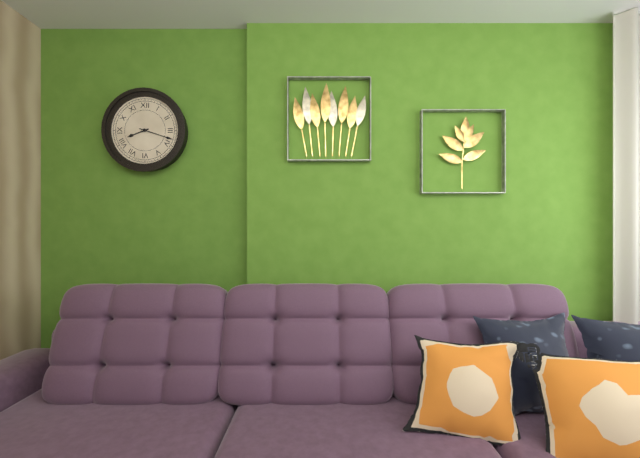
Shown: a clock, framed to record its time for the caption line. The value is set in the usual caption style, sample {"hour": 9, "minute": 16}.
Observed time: {"hour": 8, "minute": 18}
